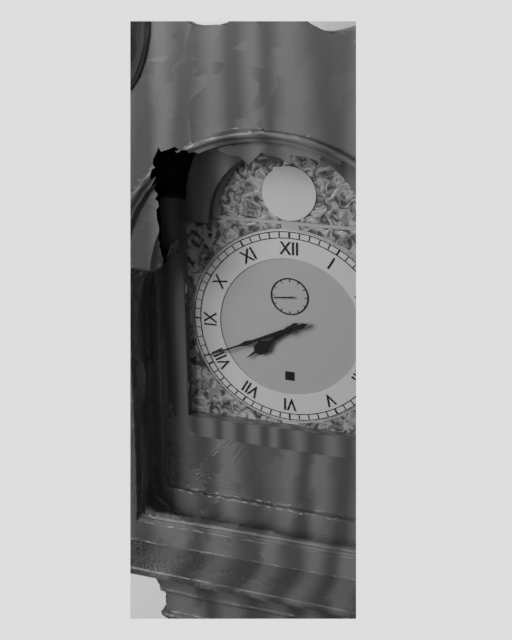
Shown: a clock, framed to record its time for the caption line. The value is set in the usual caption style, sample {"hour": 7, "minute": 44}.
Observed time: {"hour": 7, "minute": 41}
